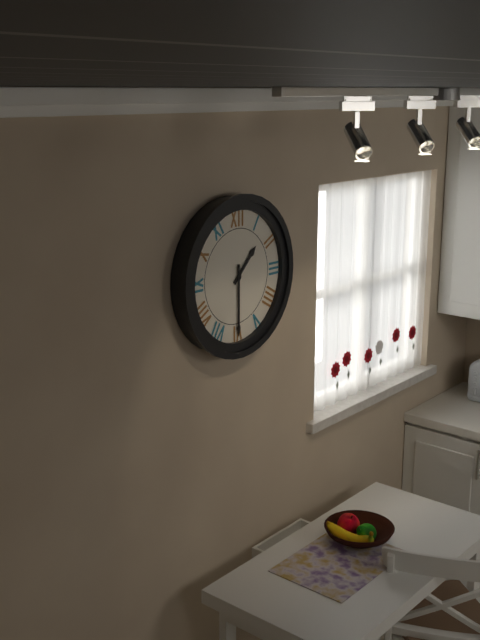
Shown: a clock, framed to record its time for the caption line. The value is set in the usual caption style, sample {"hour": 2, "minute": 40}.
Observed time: {"hour": 1, "minute": 30}
